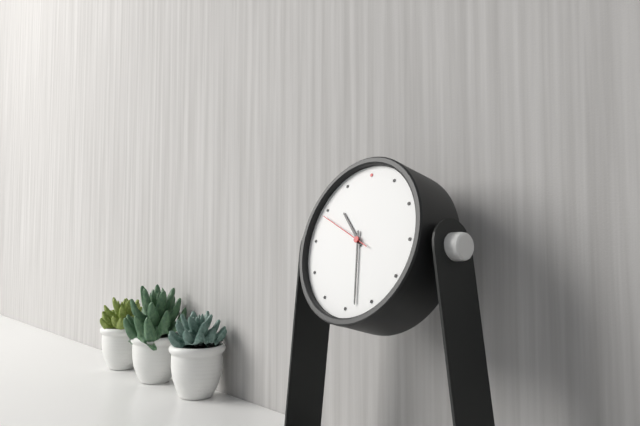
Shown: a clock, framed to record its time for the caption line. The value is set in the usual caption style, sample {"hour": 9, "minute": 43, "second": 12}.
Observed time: {"hour": 10, "minute": 28, "second": 49}
